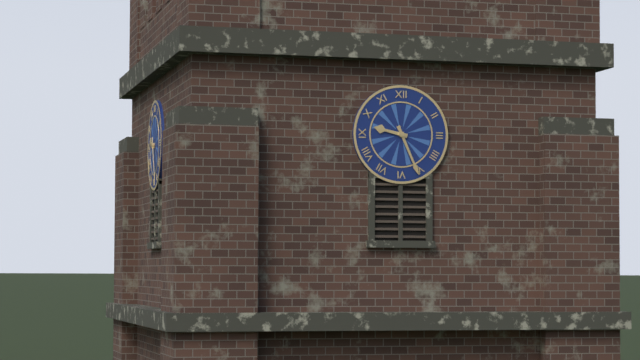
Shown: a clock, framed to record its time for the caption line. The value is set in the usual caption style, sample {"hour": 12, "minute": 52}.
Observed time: {"hour": 9, "minute": 26}
